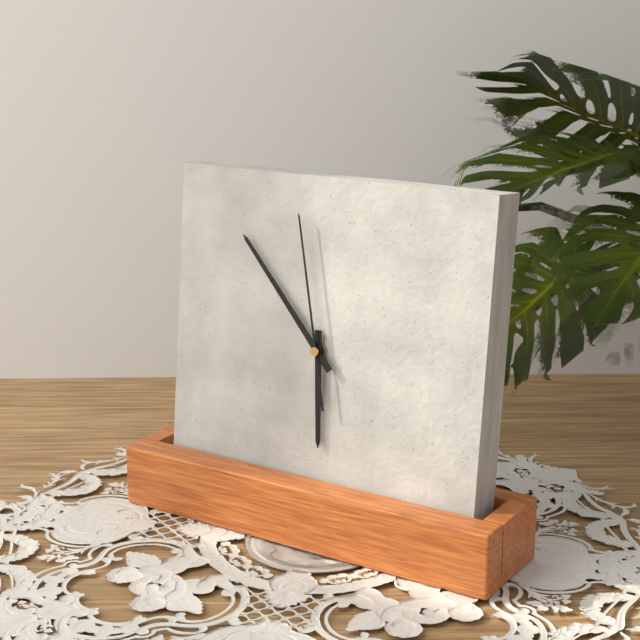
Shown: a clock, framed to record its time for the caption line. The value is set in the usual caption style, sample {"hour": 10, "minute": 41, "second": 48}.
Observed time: {"hour": 5, "minute": 53, "second": 58}
